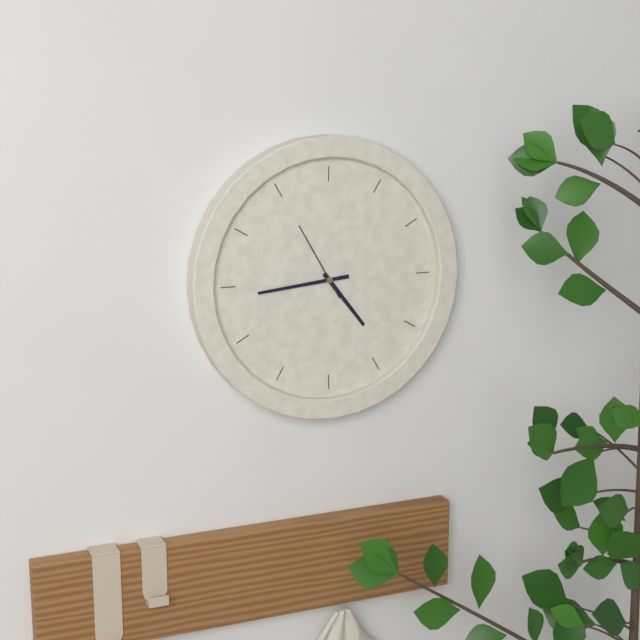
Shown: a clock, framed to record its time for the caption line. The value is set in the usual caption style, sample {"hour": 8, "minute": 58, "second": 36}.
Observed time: {"hour": 4, "minute": 44, "second": 55}
